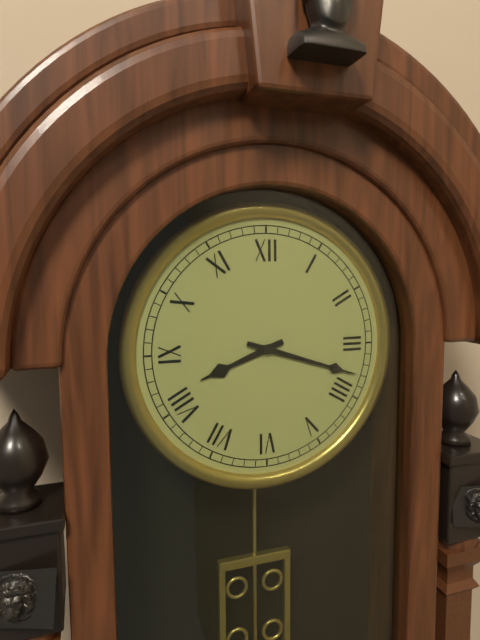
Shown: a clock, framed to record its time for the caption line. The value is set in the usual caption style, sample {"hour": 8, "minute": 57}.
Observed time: {"hour": 8, "minute": 18}
